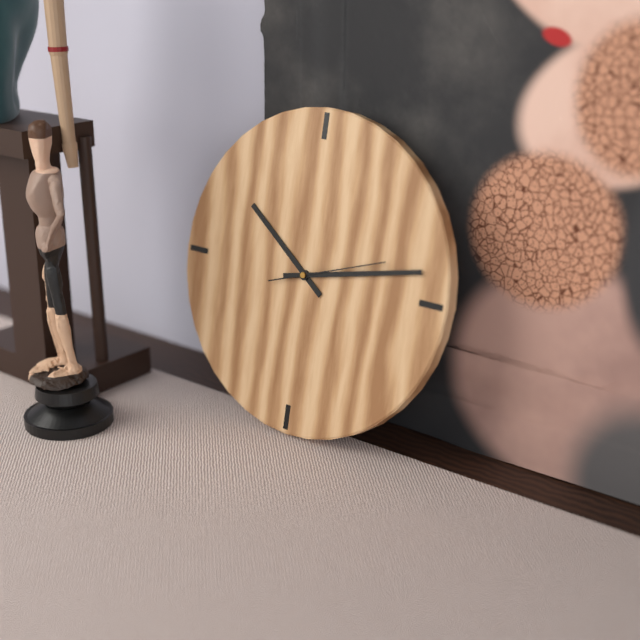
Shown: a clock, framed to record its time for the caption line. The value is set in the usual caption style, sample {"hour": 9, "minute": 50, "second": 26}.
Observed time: {"hour": 10, "minute": 13, "second": 12}
